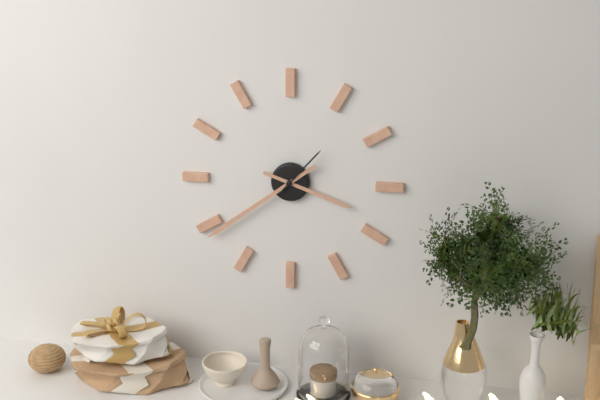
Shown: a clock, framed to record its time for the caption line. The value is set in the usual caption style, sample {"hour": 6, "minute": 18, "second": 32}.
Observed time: {"hour": 3, "minute": 39, "second": 7}
